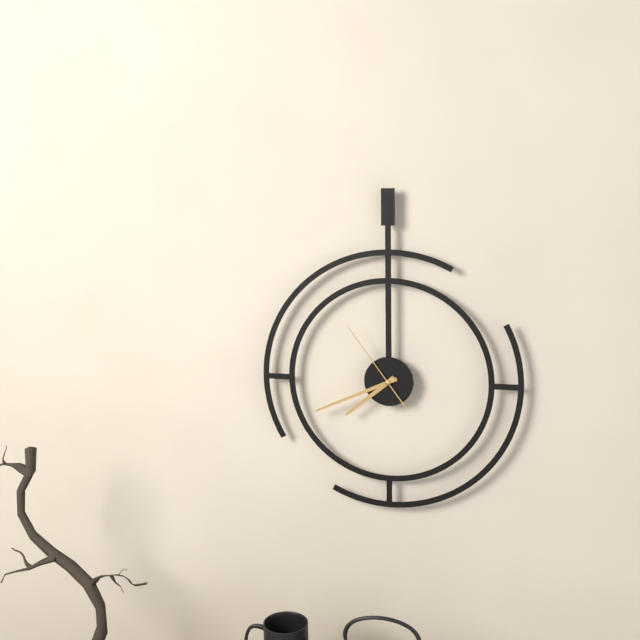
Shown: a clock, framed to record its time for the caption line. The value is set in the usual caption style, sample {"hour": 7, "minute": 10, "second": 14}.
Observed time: {"hour": 7, "minute": 41, "second": 54}
